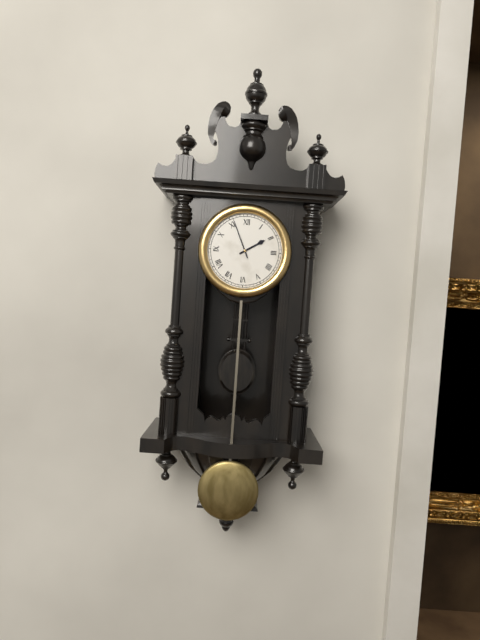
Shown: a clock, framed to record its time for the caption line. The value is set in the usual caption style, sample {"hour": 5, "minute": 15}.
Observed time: {"hour": 1, "minute": 56}
